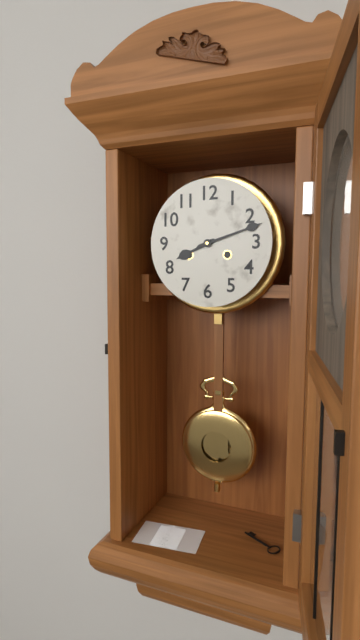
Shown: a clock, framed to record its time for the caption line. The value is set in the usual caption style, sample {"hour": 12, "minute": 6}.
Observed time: {"hour": 8, "minute": 12}
